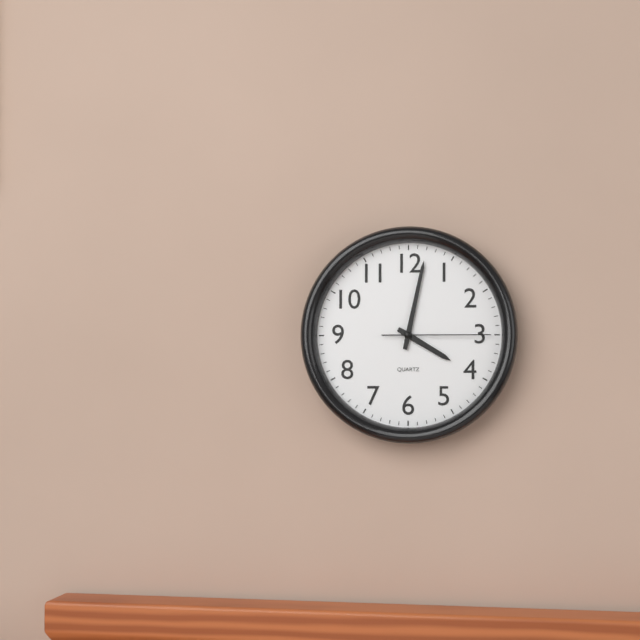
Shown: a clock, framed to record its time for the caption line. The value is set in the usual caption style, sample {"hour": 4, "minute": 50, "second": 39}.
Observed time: {"hour": 4, "minute": 2, "second": 15}
